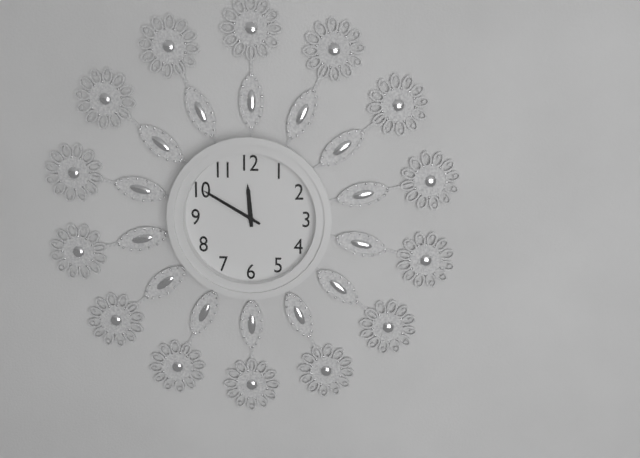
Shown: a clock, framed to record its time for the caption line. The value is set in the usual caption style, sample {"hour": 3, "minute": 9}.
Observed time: {"hour": 11, "minute": 50}
